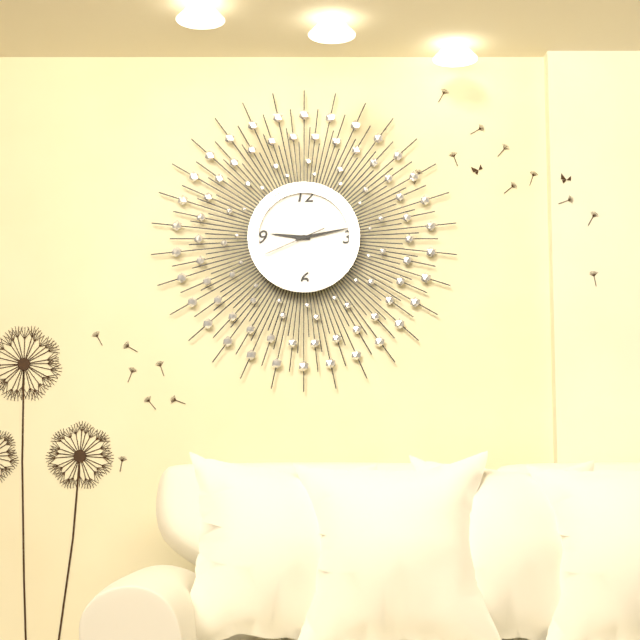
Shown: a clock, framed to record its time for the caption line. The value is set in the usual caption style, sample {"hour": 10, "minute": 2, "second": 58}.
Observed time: {"hour": 9, "minute": 13, "second": 41}
